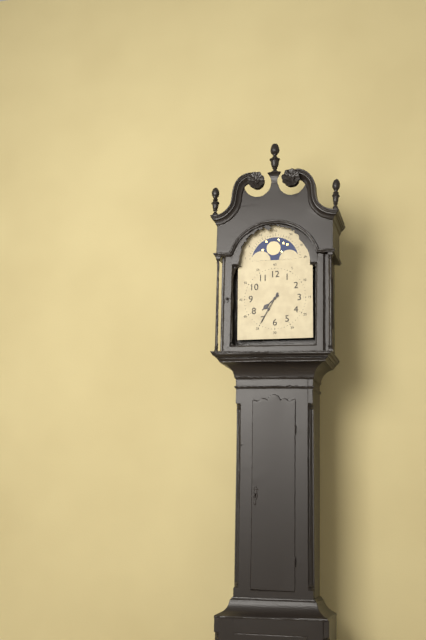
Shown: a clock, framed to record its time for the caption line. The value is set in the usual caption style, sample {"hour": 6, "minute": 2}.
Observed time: {"hour": 7, "minute": 35}
